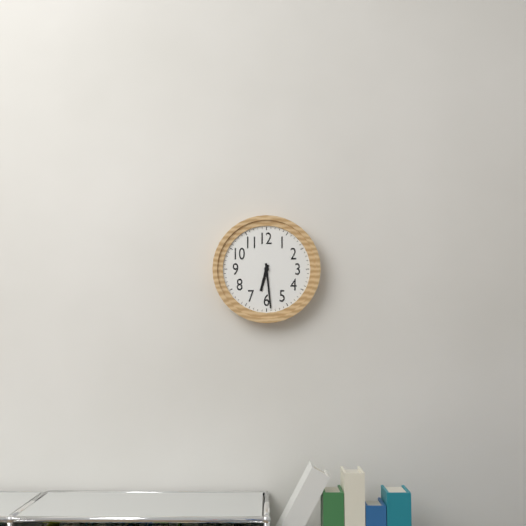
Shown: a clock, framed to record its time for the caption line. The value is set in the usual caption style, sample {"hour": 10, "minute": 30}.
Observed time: {"hour": 6, "minute": 29}
